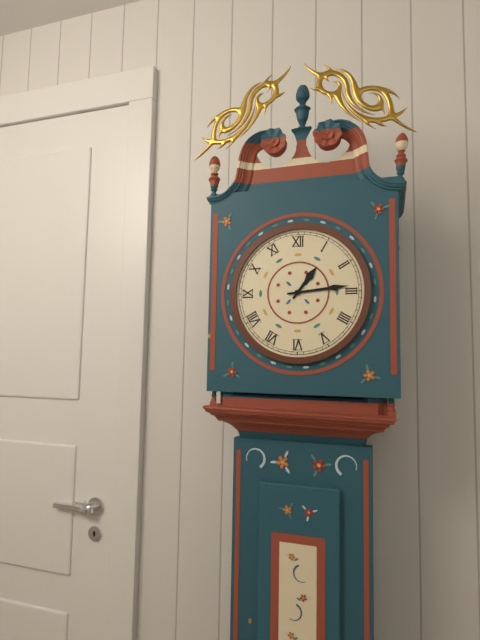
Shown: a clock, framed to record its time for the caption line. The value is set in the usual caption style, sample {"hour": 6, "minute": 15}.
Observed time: {"hour": 1, "minute": 14}
